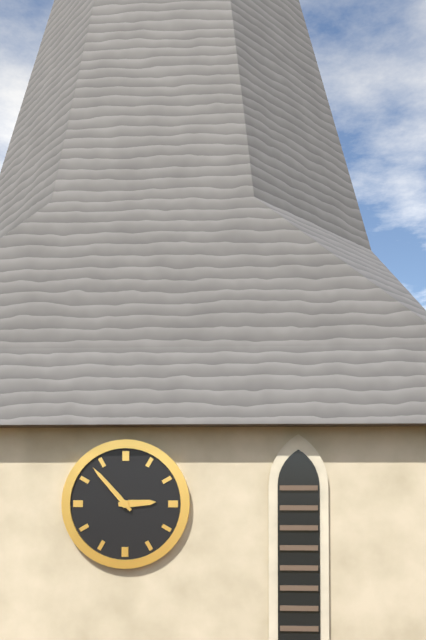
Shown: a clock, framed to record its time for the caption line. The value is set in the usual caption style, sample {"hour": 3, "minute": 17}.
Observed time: {"hour": 2, "minute": 53}
